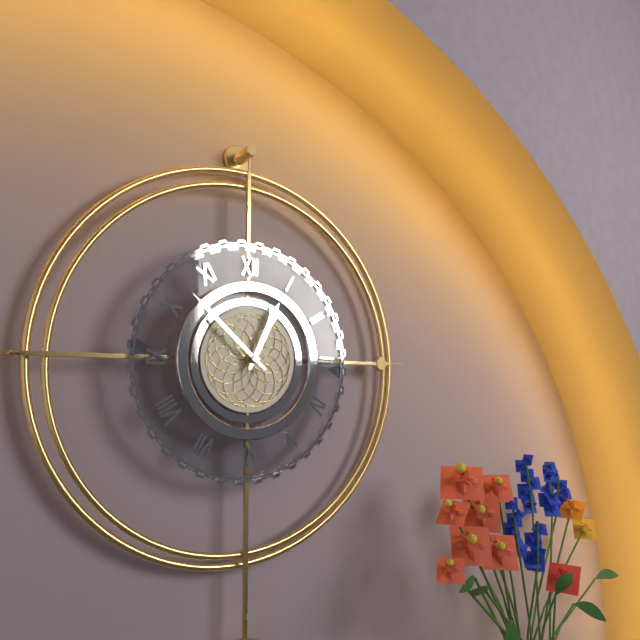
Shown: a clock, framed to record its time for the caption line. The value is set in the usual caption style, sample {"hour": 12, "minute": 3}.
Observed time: {"hour": 12, "minute": 52}
